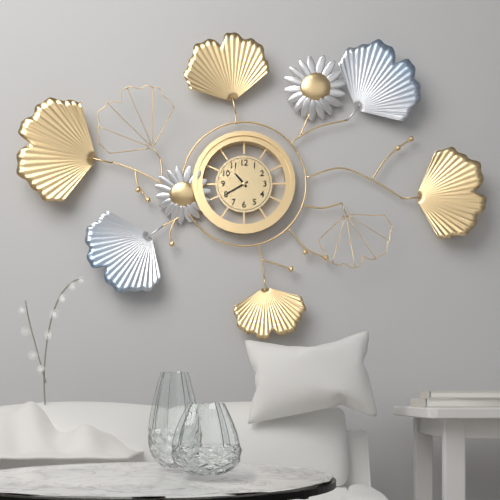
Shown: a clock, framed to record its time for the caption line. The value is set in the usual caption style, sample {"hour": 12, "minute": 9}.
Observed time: {"hour": 10, "minute": 40}
